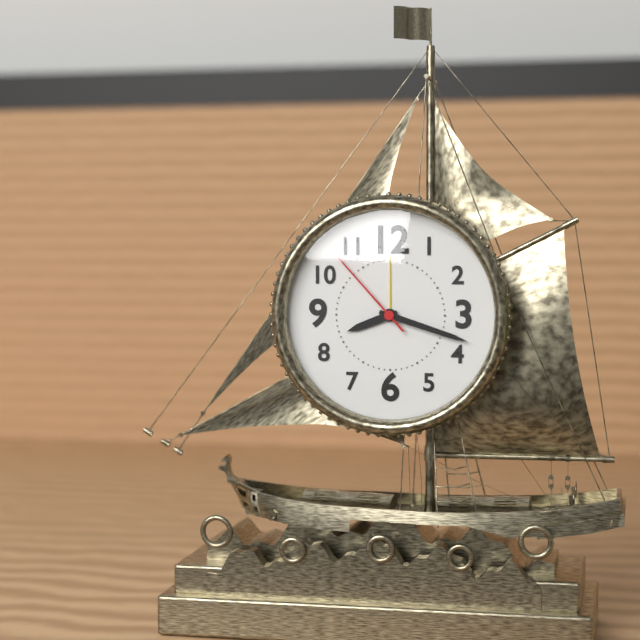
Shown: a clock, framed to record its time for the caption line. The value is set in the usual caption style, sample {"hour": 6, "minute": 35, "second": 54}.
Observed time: {"hour": 8, "minute": 18, "second": 53}
